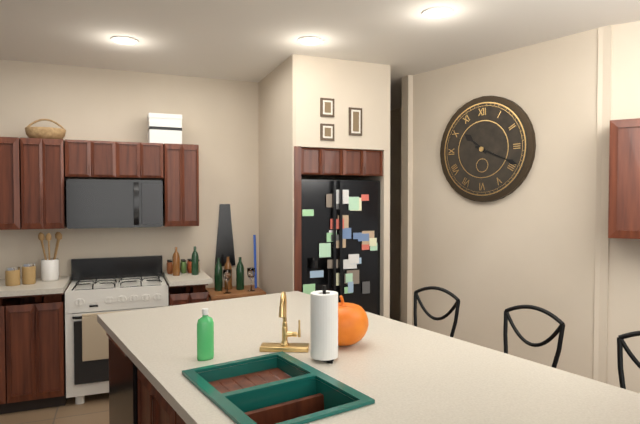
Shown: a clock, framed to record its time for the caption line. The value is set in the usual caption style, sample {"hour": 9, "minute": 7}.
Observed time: {"hour": 10, "minute": 19}
